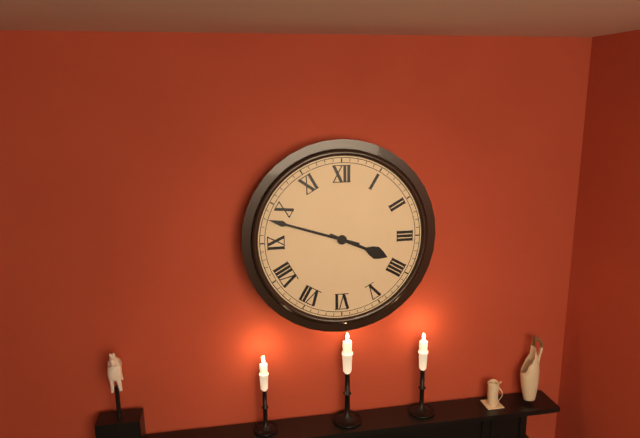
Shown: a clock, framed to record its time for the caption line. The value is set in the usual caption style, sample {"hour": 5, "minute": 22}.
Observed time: {"hour": 3, "minute": 48}
